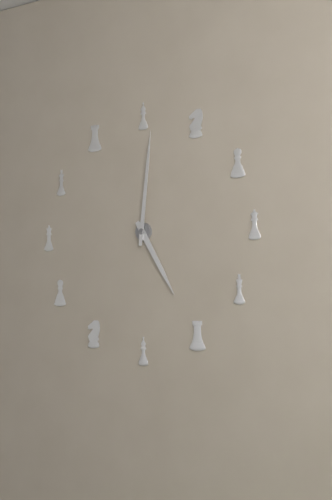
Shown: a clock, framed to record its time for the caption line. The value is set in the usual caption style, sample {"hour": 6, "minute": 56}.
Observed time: {"hour": 5, "minute": 1}
